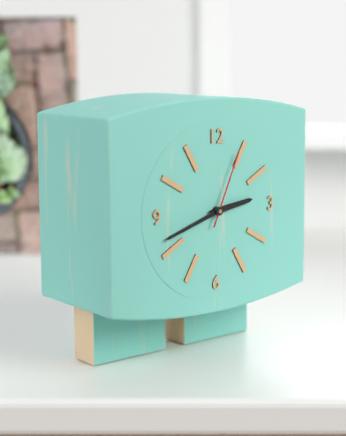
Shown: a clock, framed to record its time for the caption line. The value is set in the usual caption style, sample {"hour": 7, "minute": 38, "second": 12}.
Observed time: {"hour": 2, "minute": 42, "second": 4}
